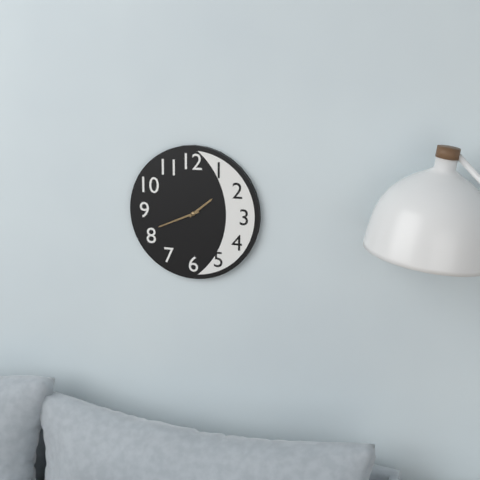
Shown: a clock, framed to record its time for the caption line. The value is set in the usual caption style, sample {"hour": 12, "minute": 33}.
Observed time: {"hour": 1, "minute": 41}
